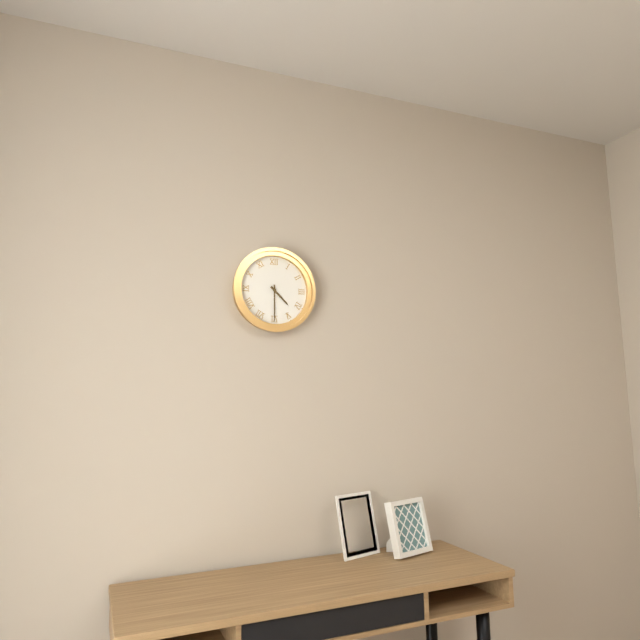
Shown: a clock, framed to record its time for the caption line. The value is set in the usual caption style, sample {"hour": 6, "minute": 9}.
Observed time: {"hour": 4, "minute": 30}
